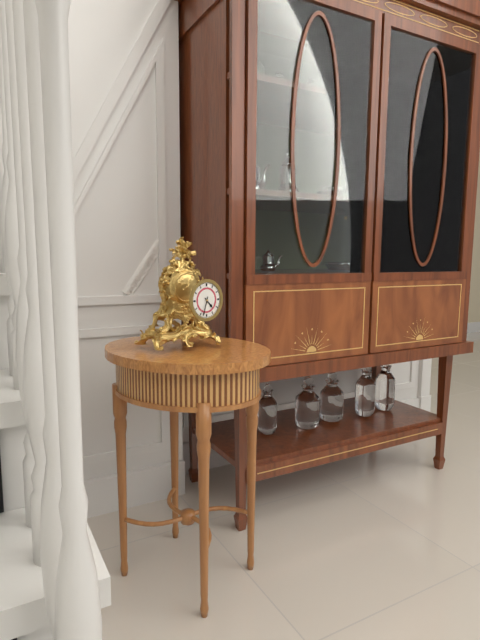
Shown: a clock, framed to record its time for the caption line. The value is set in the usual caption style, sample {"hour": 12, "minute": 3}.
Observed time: {"hour": 4, "minute": 33}
